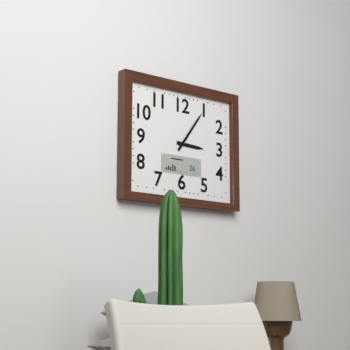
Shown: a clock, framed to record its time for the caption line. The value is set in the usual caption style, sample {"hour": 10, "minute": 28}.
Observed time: {"hour": 3, "minute": 6}
